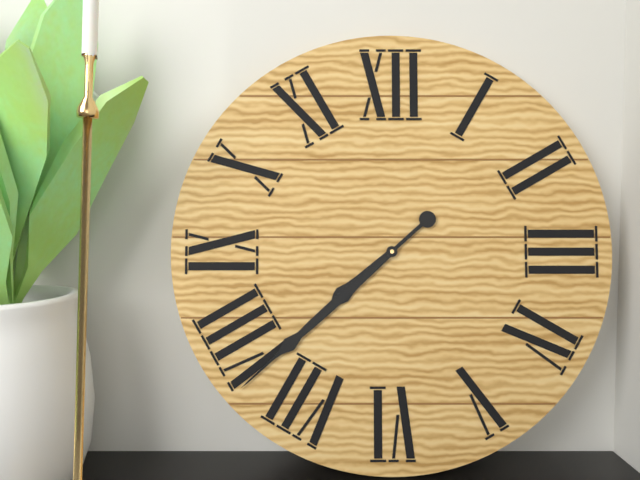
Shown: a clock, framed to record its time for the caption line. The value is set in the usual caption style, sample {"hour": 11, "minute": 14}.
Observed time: {"hour": 7, "minute": 38}
